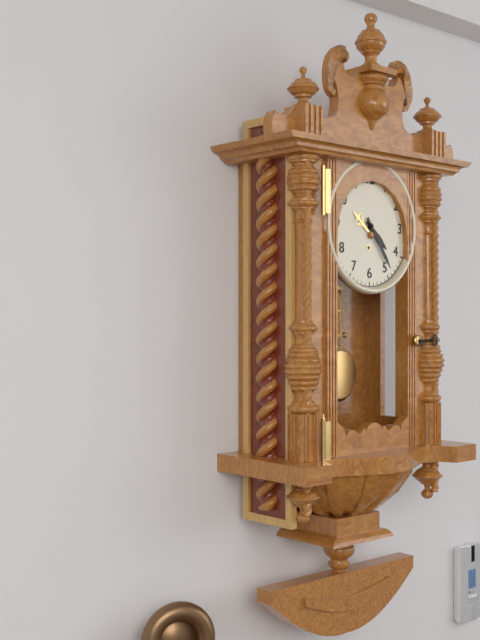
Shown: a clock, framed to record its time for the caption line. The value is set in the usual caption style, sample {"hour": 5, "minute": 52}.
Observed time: {"hour": 4, "minute": 24}
